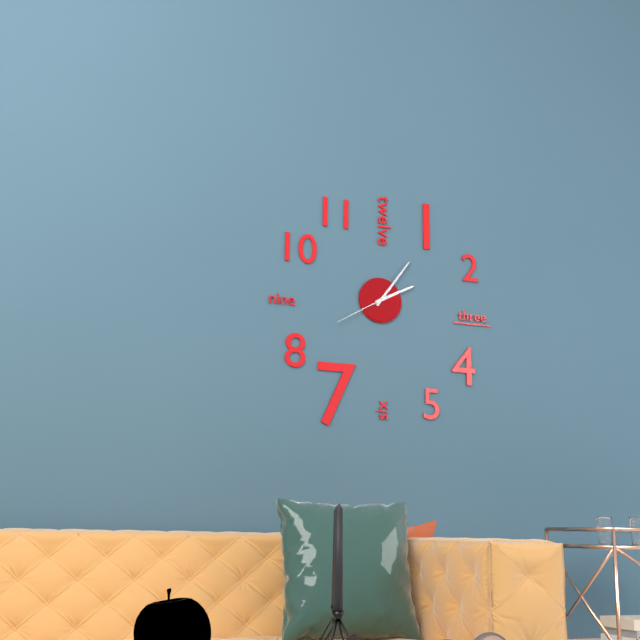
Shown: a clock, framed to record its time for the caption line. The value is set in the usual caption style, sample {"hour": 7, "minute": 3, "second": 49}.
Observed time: {"hour": 2, "minute": 6, "second": 40}
